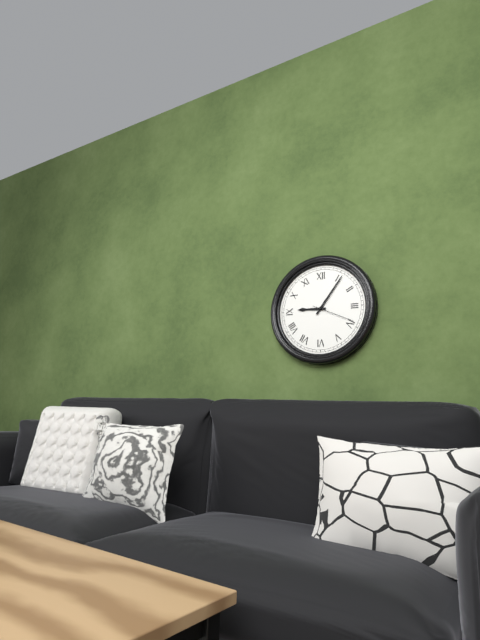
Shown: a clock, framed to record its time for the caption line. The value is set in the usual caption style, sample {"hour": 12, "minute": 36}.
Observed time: {"hour": 9, "minute": 6}
